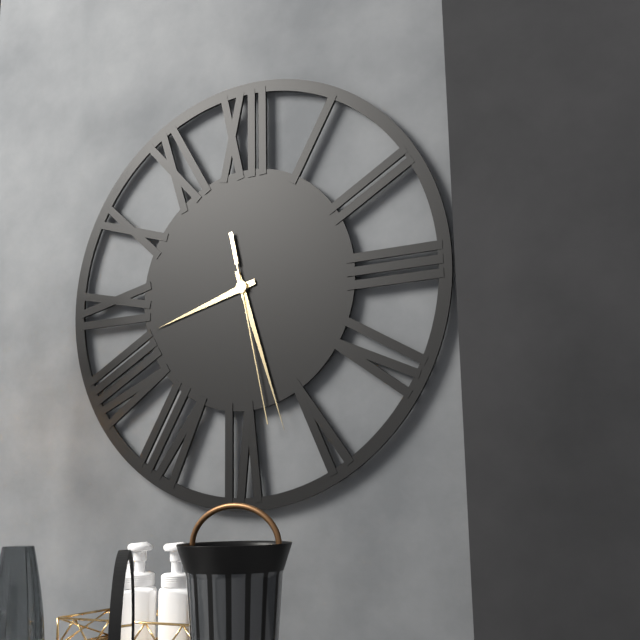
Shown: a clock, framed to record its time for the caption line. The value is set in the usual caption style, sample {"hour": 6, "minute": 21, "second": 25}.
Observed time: {"hour": 8, "minute": 27, "second": 28}
